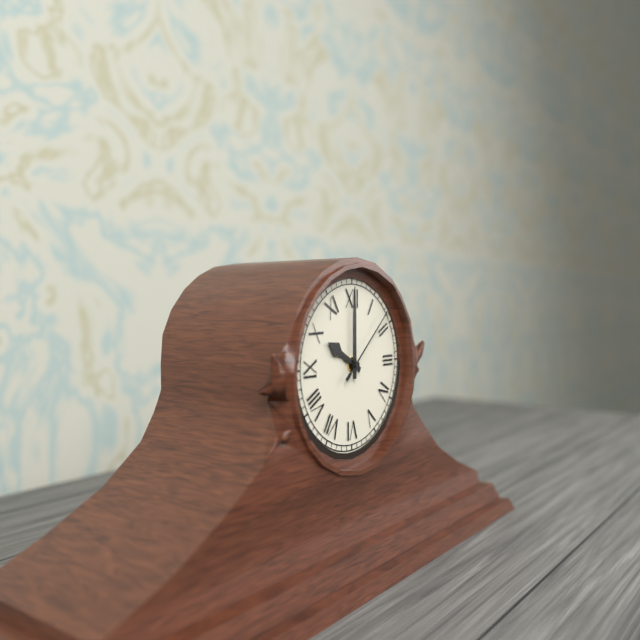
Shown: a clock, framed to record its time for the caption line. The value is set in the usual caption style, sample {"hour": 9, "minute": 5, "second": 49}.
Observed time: {"hour": 10, "minute": 0, "second": 8}
